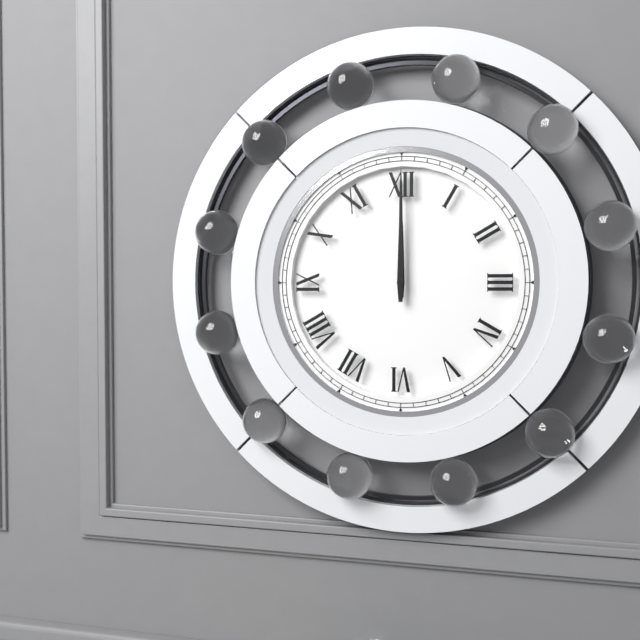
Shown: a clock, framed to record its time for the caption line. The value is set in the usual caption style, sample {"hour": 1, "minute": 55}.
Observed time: {"hour": 12, "minute": 0}
